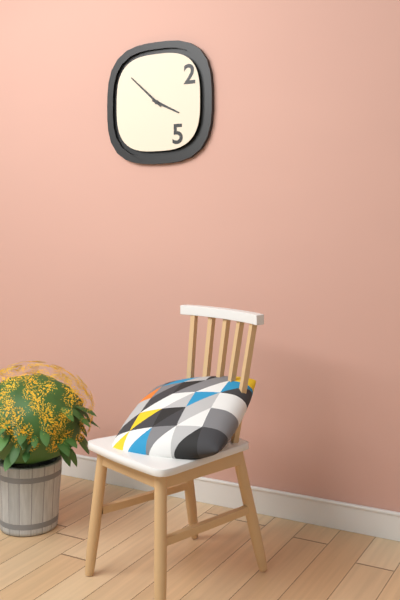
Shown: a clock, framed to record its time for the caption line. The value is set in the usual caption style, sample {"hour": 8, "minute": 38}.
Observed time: {"hour": 3, "minute": 52}
